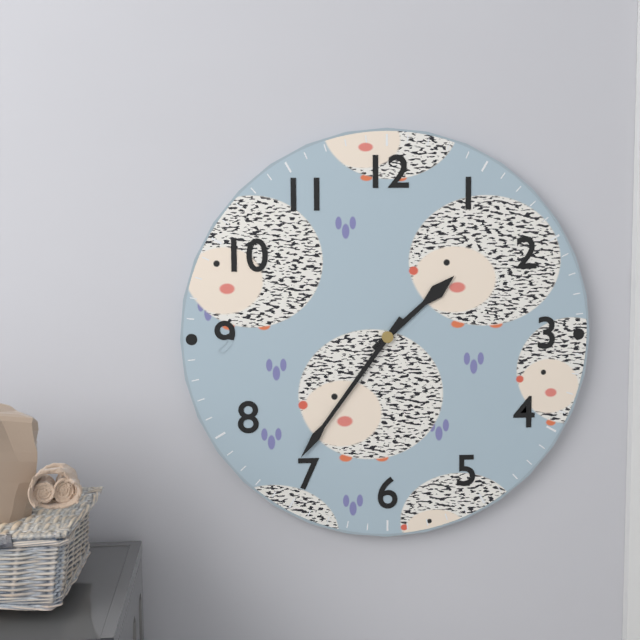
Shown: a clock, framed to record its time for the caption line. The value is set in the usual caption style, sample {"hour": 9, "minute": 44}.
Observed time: {"hour": 1, "minute": 36}
